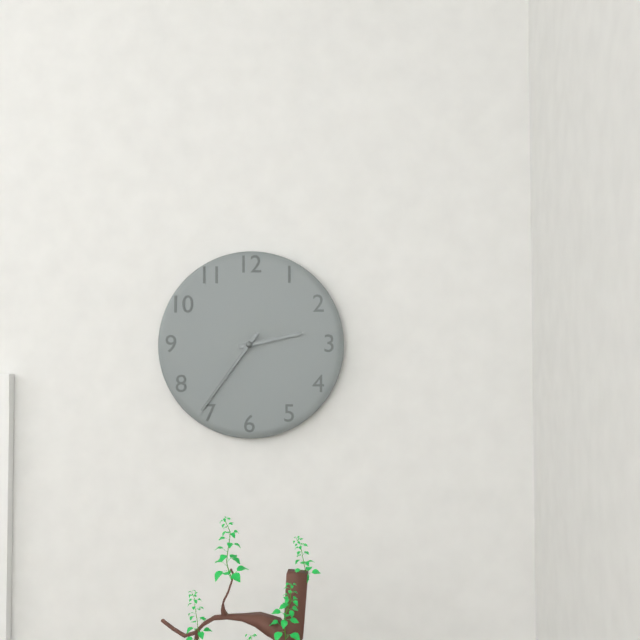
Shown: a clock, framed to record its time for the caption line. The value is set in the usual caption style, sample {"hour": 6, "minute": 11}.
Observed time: {"hour": 2, "minute": 36}
